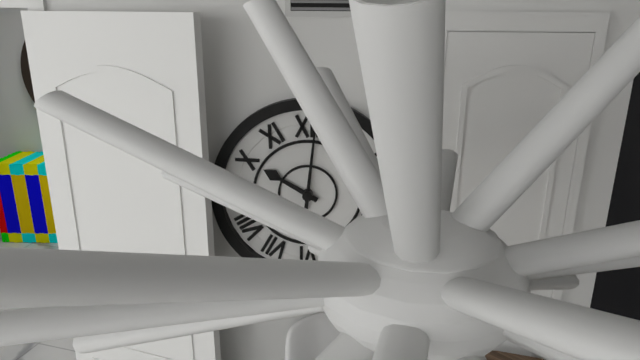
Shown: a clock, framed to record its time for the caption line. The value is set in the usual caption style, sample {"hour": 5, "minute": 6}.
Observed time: {"hour": 10, "minute": 1}
